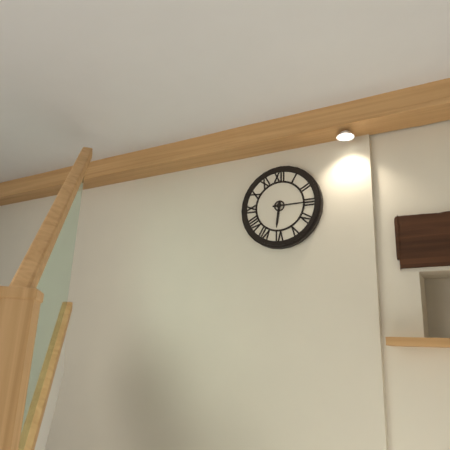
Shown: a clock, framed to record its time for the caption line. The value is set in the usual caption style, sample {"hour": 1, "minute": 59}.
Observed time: {"hour": 6, "minute": 15}
